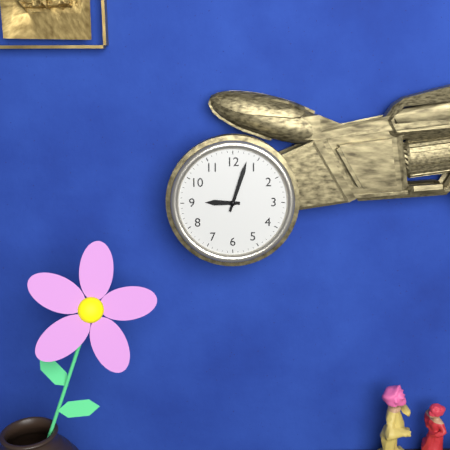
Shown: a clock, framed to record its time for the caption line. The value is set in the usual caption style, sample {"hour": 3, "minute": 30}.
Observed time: {"hour": 9, "minute": 3}
